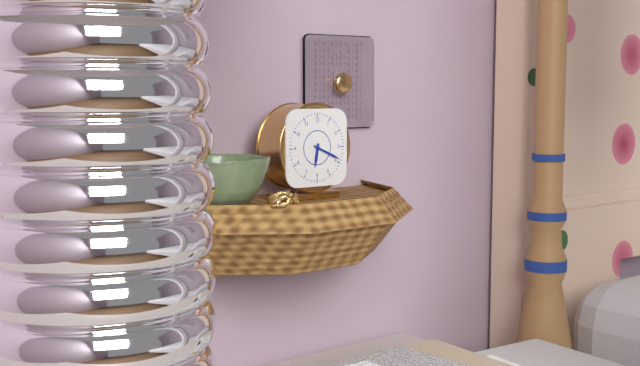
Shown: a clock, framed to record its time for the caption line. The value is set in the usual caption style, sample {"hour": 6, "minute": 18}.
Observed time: {"hour": 6, "minute": 19}
